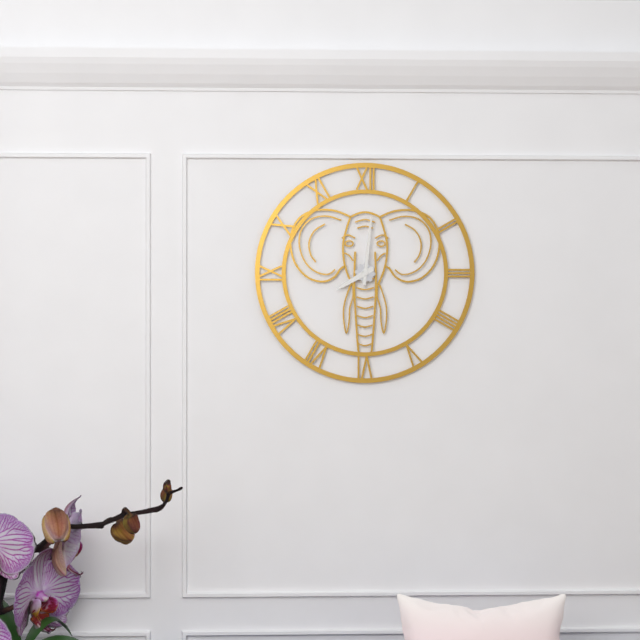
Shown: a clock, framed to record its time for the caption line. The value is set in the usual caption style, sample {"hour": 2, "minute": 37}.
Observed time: {"hour": 8, "minute": 1}
